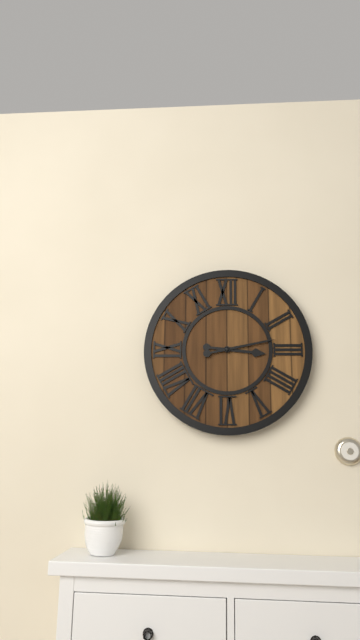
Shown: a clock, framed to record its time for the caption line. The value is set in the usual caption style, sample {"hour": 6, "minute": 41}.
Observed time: {"hour": 3, "minute": 13}
